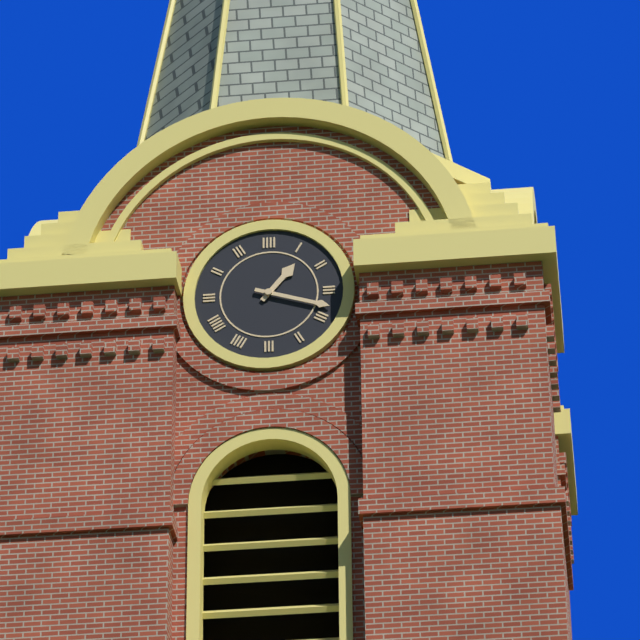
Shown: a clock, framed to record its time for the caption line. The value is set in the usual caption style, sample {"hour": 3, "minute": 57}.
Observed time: {"hour": 1, "minute": 18}
